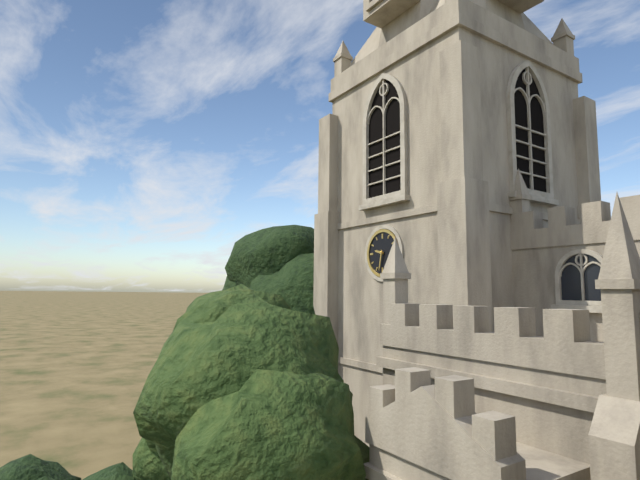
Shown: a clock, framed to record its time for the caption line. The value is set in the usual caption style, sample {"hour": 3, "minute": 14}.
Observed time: {"hour": 9, "minute": 32}
